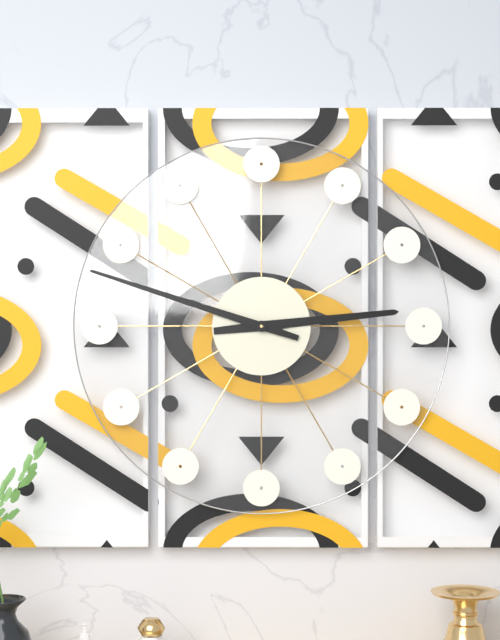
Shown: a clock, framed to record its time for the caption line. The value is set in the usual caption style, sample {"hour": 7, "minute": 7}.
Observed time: {"hour": 2, "minute": 48}
